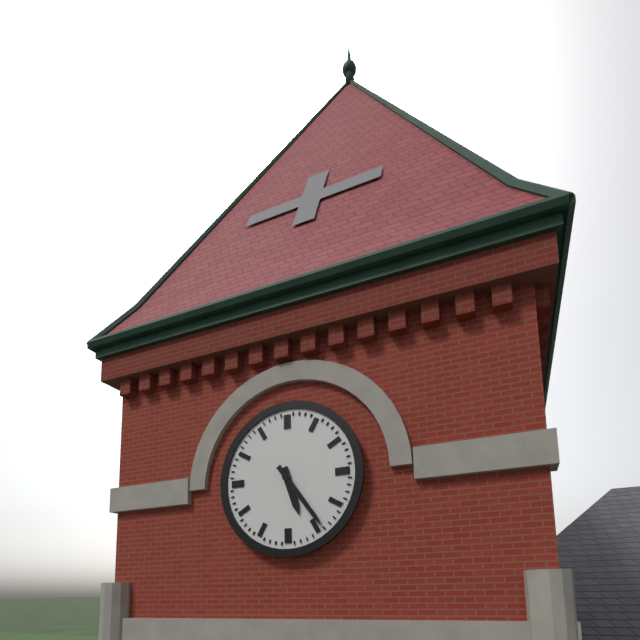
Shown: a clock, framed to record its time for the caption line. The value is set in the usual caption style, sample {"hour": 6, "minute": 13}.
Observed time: {"hour": 5, "minute": 24}
